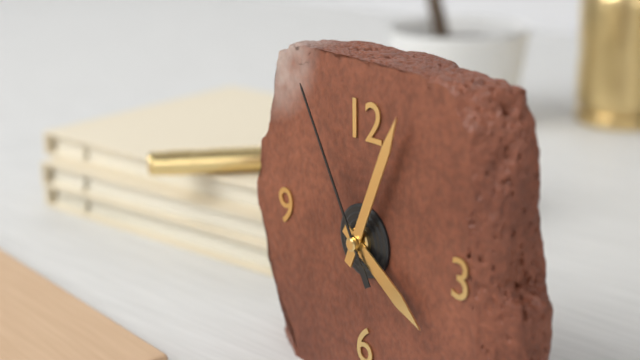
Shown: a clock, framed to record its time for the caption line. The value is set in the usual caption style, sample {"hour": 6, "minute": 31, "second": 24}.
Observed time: {"hour": 4, "minute": 4, "second": 55}
